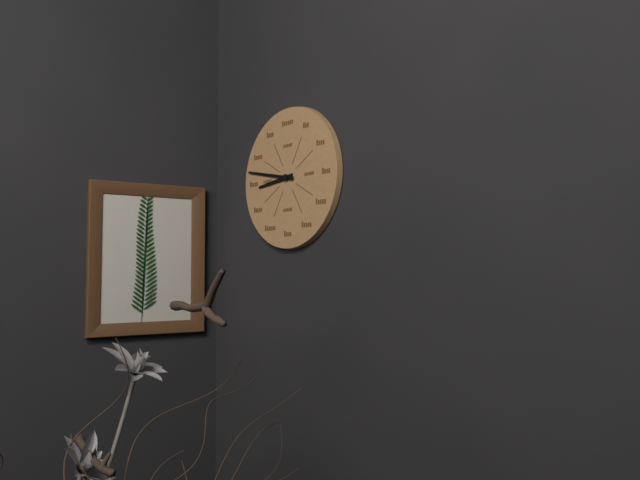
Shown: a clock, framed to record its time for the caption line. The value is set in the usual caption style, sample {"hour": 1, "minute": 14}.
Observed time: {"hour": 8, "minute": 47}
